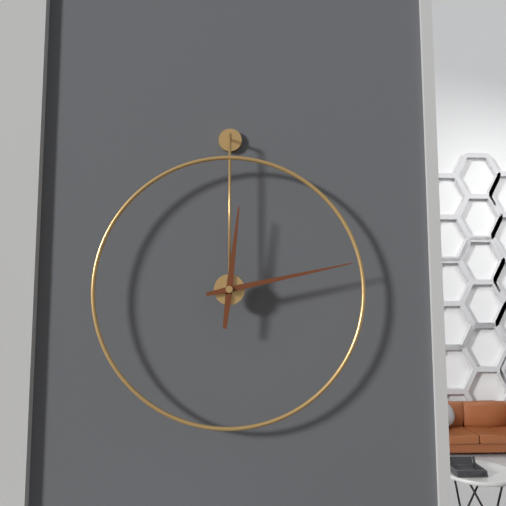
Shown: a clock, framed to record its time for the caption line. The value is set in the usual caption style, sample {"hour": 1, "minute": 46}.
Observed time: {"hour": 12, "minute": 13}
